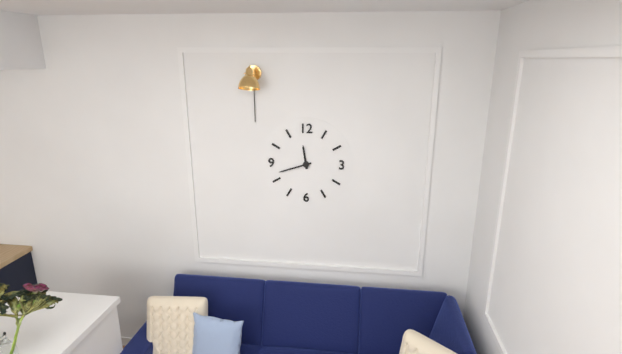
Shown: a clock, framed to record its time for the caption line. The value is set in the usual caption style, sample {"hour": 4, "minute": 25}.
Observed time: {"hour": 11, "minute": 42}
